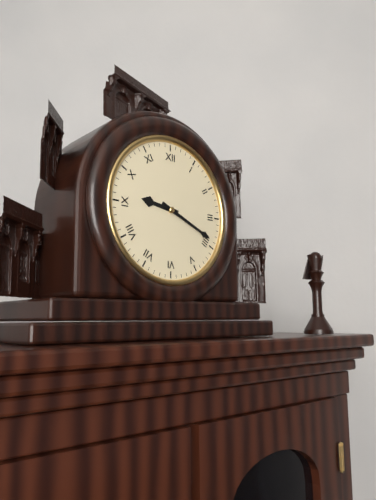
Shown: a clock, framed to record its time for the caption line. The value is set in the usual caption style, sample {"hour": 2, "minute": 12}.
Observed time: {"hour": 9, "minute": 19}
